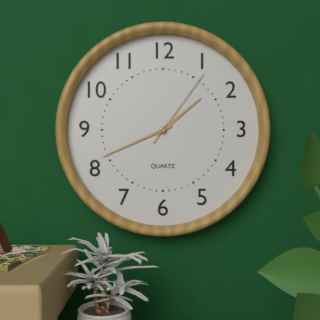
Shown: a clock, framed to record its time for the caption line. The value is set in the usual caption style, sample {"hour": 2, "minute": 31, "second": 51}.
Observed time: {"hour": 1, "minute": 41, "second": 6}
